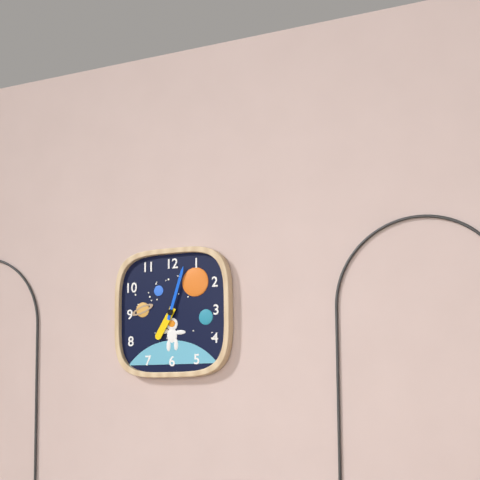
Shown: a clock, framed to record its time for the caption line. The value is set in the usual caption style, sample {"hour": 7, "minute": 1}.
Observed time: {"hour": 7, "minute": 3}
